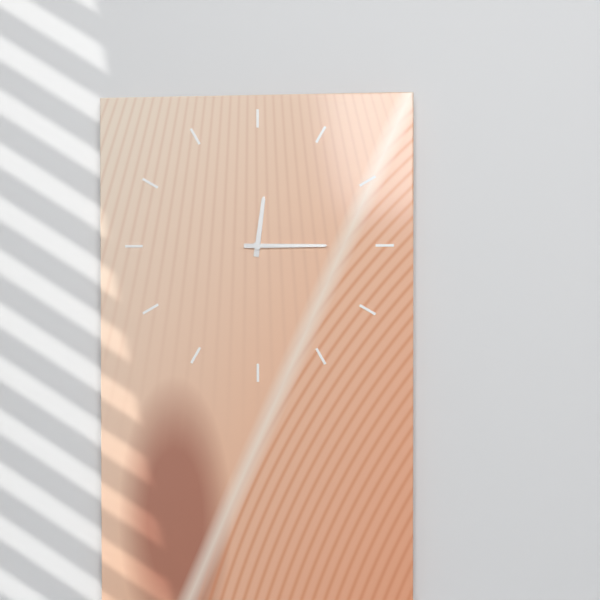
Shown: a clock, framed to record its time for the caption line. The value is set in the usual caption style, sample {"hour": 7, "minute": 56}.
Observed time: {"hour": 12, "minute": 15}
